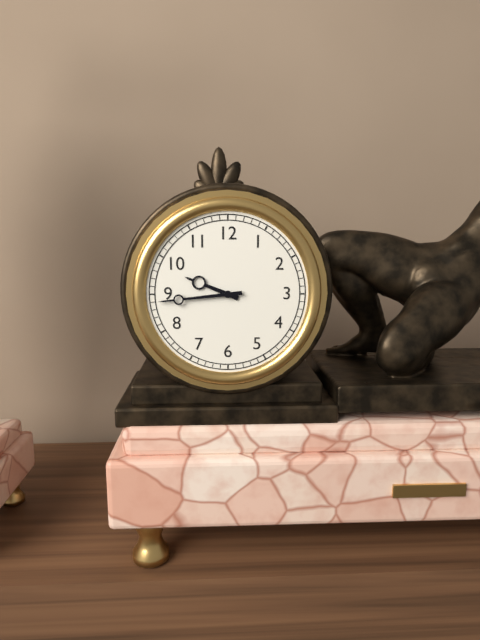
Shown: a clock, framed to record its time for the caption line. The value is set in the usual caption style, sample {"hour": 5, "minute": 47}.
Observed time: {"hour": 9, "minute": 44}
